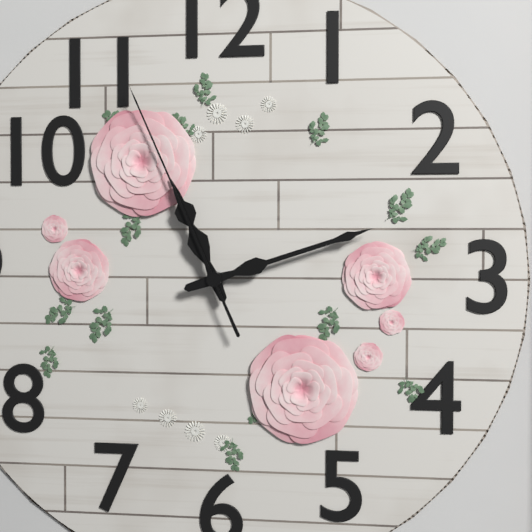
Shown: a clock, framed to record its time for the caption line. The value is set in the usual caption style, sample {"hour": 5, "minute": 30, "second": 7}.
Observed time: {"hour": 11, "minute": 12, "second": 56}
